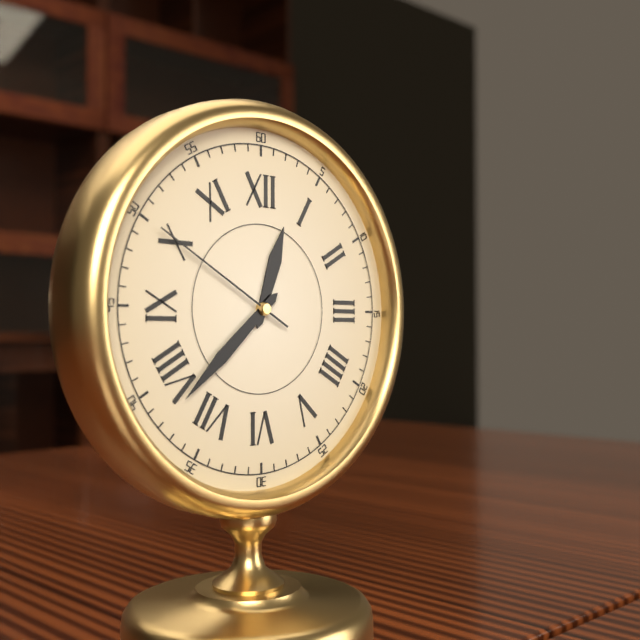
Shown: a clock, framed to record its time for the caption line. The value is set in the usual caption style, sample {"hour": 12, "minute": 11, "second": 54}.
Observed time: {"hour": 12, "minute": 38, "second": 50}
